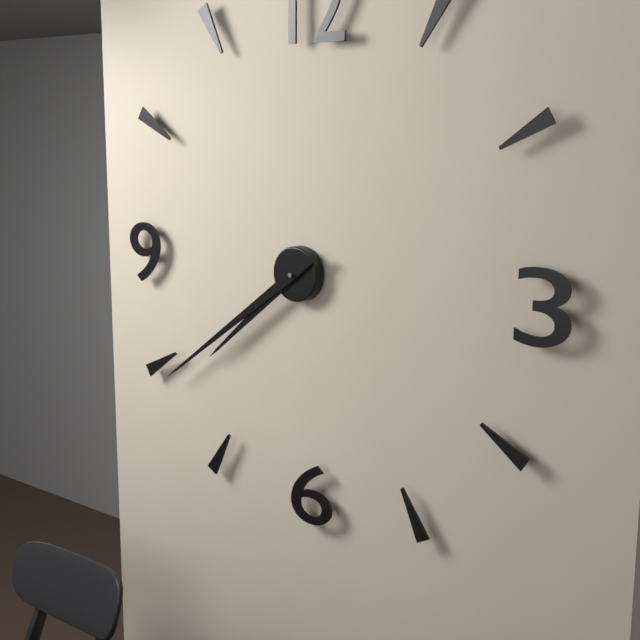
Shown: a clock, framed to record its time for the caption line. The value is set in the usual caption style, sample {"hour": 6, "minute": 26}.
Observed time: {"hour": 7, "minute": 39}
